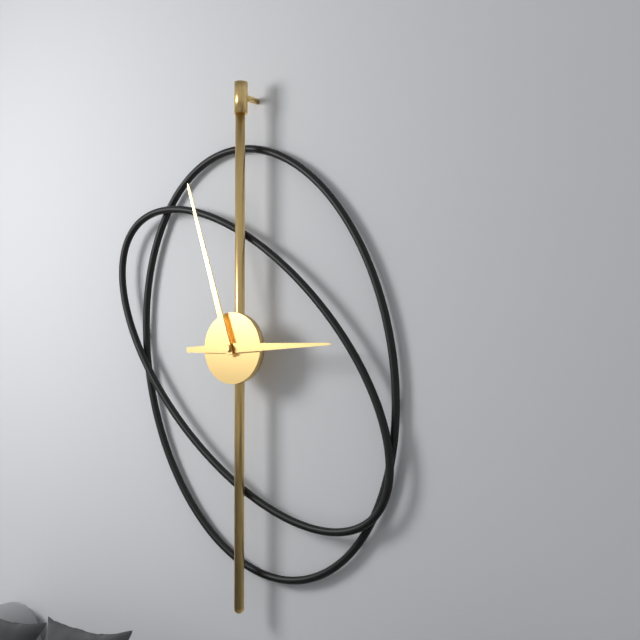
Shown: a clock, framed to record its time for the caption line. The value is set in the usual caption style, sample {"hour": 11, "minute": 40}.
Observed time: {"hour": 2, "minute": 57}
